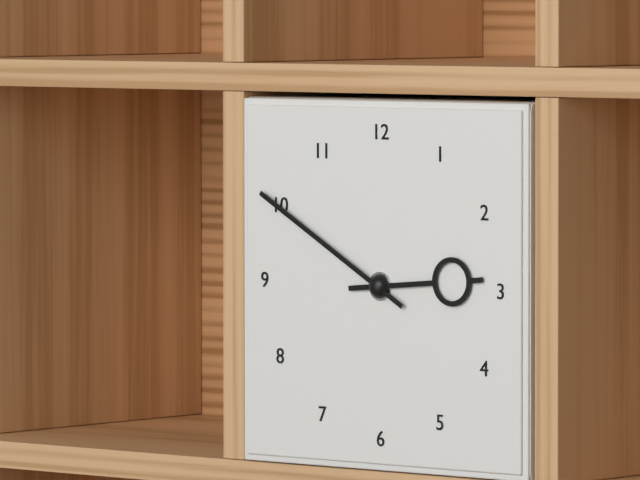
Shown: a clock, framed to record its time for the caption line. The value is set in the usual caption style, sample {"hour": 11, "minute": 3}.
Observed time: {"hour": 2, "minute": 50}
